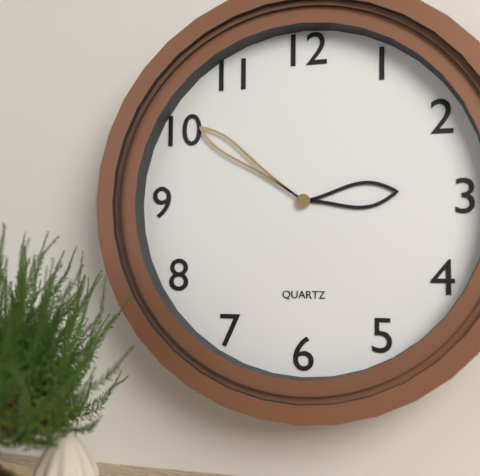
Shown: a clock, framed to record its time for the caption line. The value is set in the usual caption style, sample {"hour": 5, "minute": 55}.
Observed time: {"hour": 2, "minute": 51}
